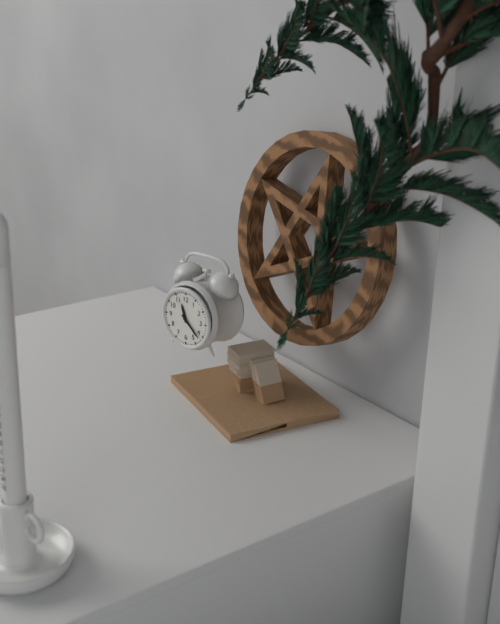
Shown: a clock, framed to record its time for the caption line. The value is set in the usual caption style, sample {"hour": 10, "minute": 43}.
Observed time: {"hour": 11, "minute": 22}
